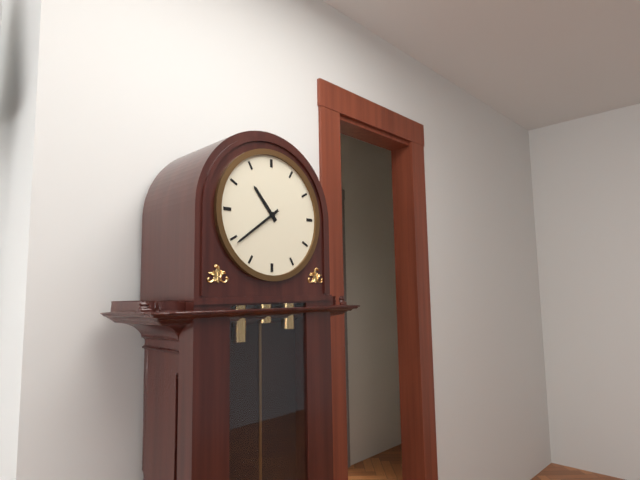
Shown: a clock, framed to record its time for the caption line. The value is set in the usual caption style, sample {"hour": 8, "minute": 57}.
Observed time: {"hour": 10, "minute": 39}
